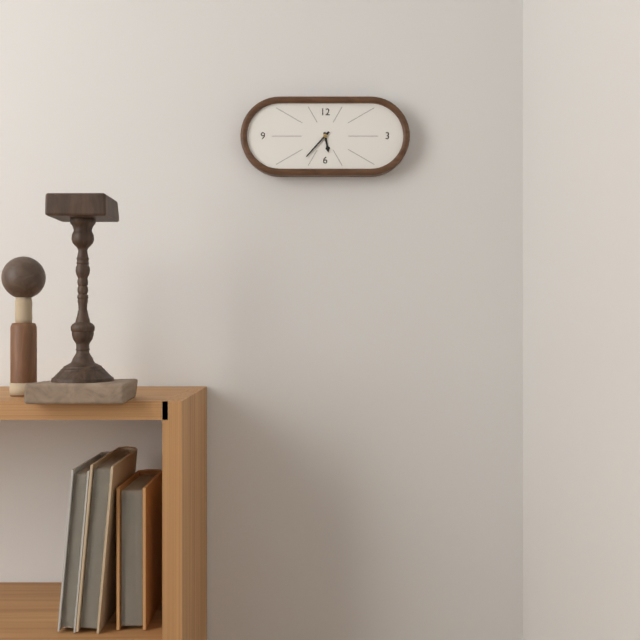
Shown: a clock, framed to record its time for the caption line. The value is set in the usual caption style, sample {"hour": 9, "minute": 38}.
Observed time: {"hour": 5, "minute": 37}
